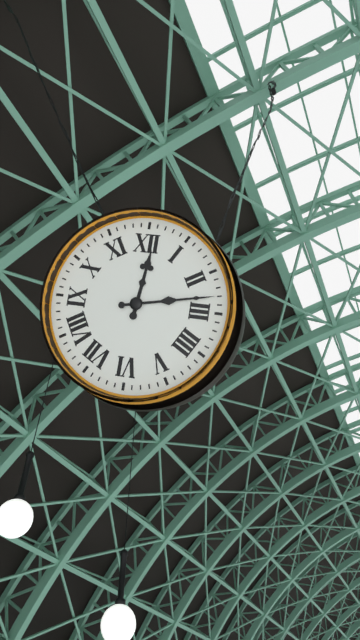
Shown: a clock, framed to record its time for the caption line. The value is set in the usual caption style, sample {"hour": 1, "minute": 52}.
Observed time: {"hour": 12, "minute": 13}
